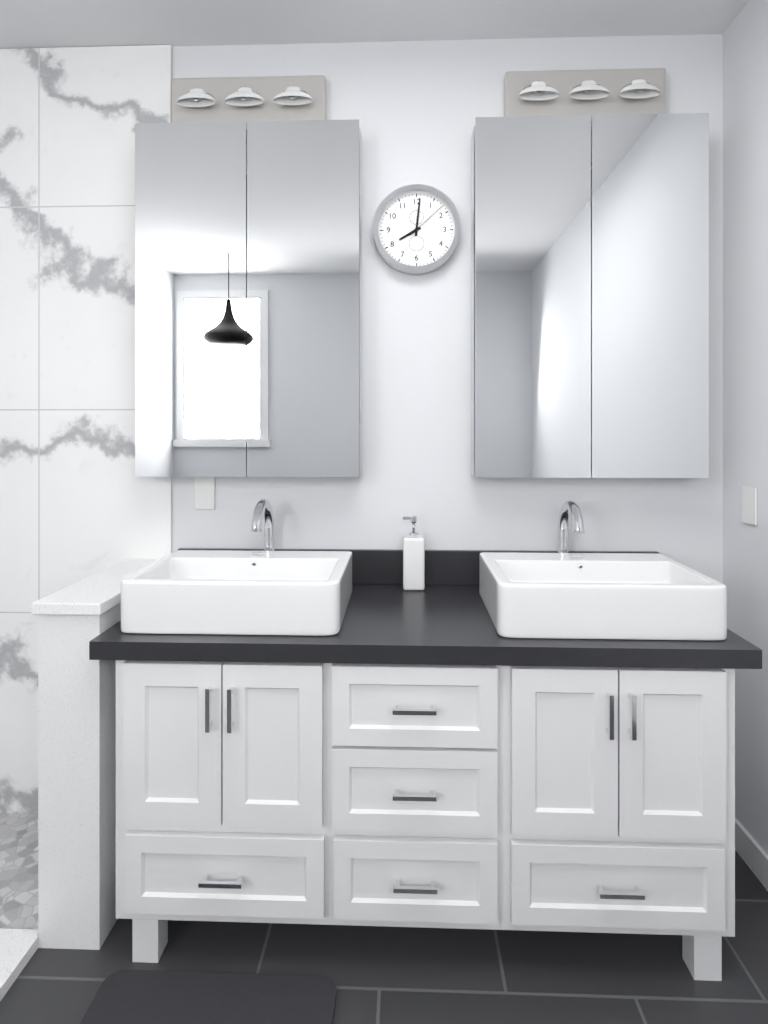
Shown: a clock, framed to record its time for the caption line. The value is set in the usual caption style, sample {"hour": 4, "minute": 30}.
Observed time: {"hour": 8, "minute": 1}
